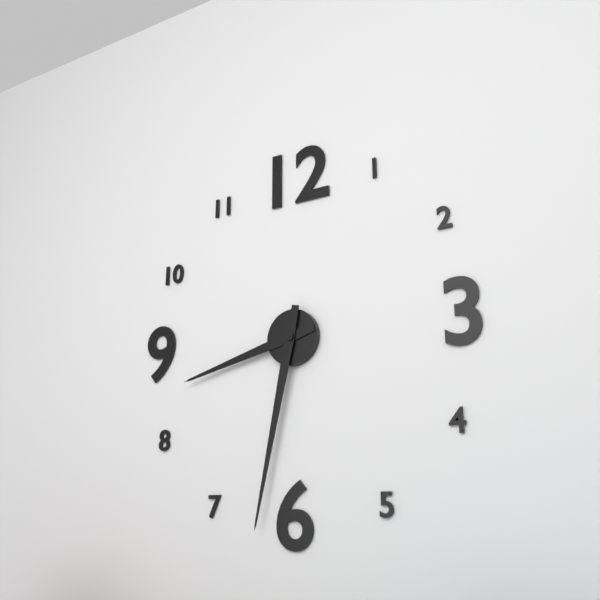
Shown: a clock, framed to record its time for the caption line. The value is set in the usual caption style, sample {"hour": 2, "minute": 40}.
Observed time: {"hour": 8, "minute": 32}
